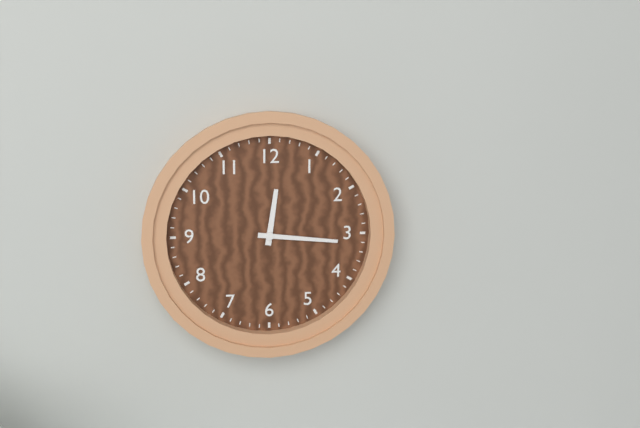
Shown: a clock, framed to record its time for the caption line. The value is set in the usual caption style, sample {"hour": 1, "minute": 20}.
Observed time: {"hour": 12, "minute": 16}
